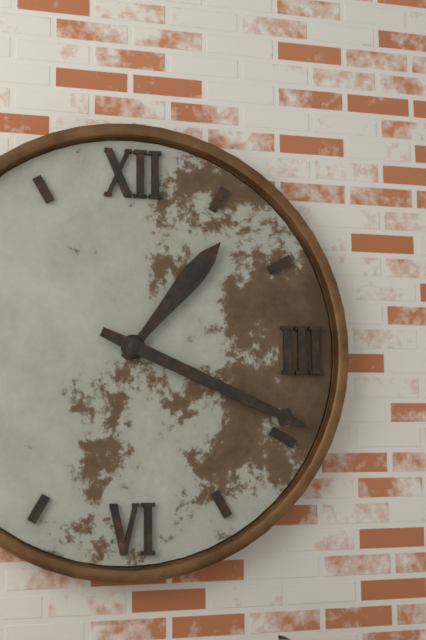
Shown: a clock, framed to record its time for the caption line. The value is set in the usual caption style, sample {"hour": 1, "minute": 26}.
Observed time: {"hour": 1, "minute": 19}
